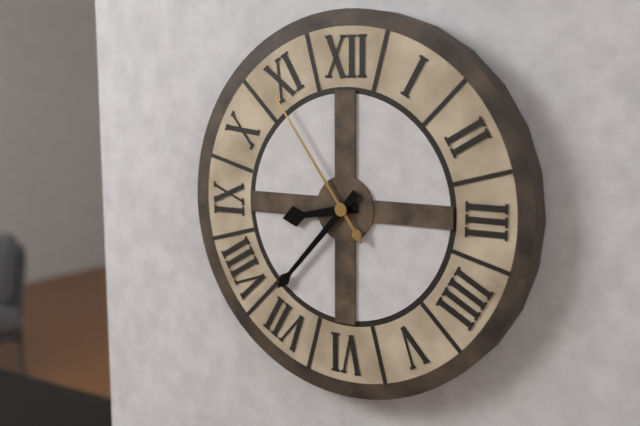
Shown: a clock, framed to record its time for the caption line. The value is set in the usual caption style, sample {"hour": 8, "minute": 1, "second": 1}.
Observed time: {"hour": 8, "minute": 37, "second": 54}
